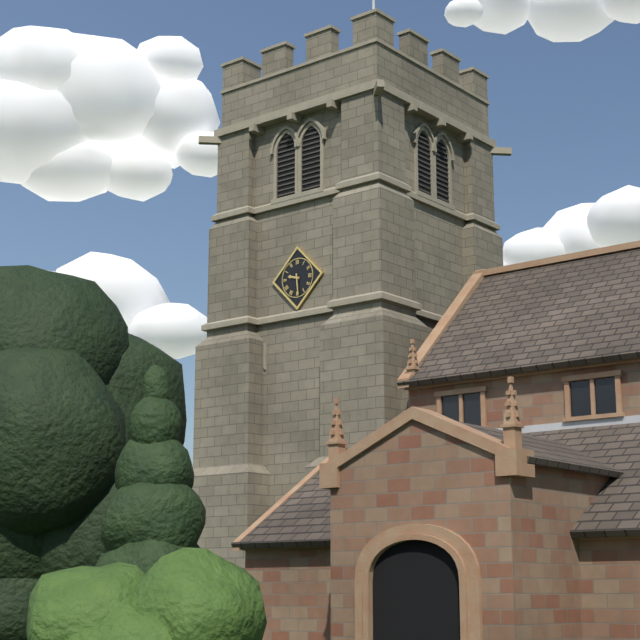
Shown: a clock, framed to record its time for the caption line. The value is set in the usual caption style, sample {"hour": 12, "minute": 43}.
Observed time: {"hour": 9, "minute": 29}
